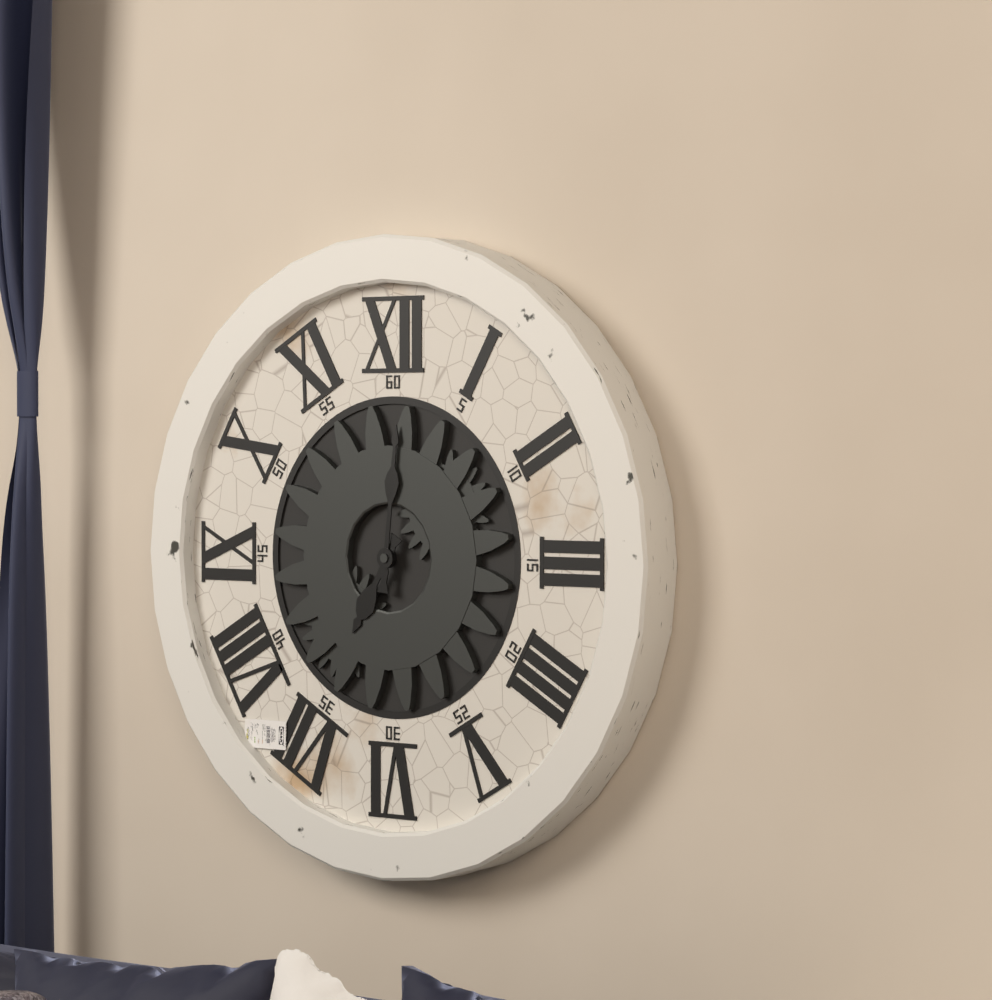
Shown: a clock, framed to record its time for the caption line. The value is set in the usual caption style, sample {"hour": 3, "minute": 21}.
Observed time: {"hour": 7, "minute": 1}
